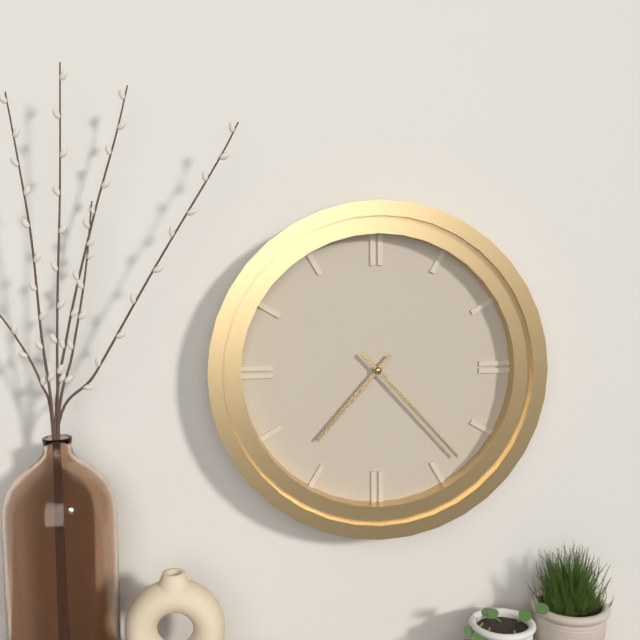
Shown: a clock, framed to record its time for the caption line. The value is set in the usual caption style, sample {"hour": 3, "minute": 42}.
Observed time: {"hour": 7, "minute": 23}
